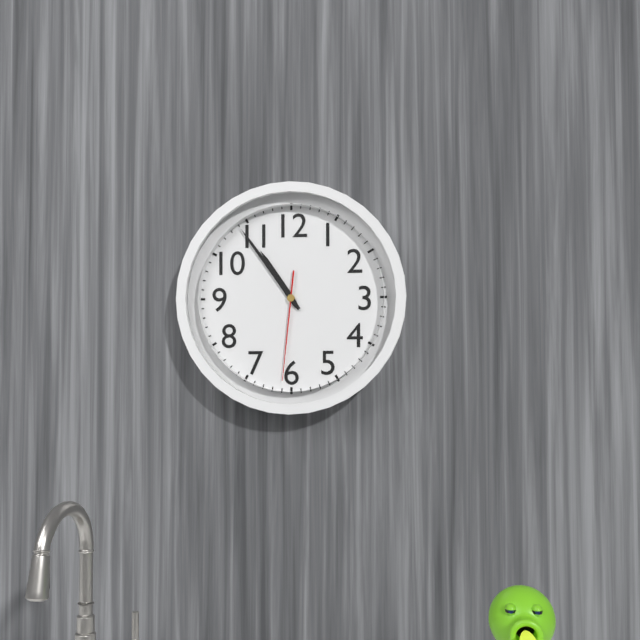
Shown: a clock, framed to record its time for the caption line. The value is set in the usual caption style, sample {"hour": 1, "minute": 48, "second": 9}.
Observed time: {"hour": 10, "minute": 54, "second": 31}
